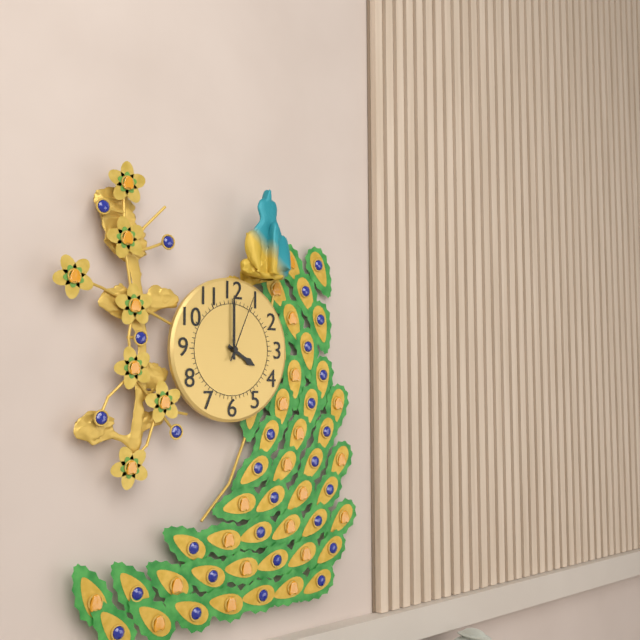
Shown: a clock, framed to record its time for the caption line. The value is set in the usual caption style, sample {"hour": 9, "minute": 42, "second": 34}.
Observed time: {"hour": 4, "minute": 0, "second": 4}
